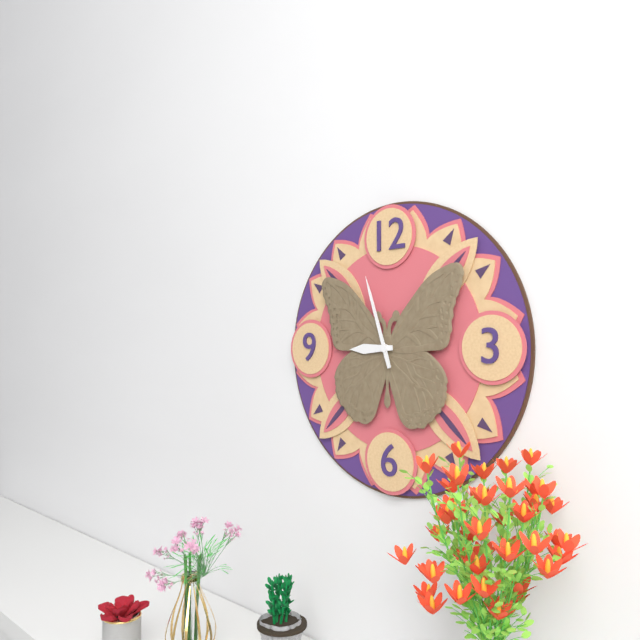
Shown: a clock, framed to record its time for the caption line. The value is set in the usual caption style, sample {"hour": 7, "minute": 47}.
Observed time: {"hour": 8, "minute": 57}
